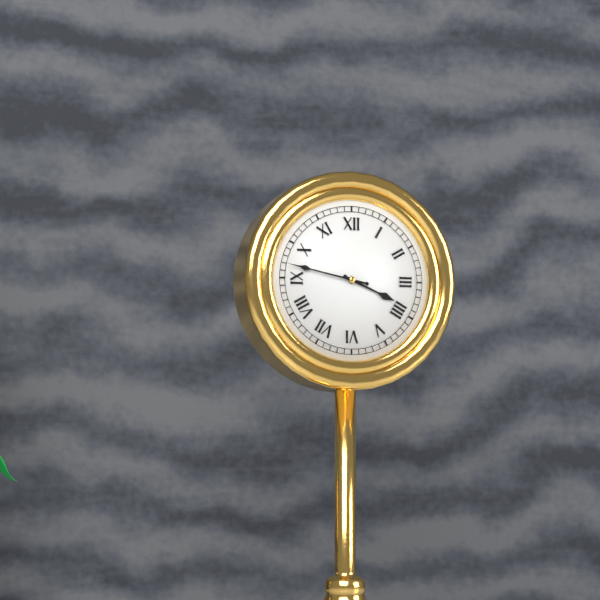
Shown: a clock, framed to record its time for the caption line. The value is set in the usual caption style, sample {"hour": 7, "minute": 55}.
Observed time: {"hour": 3, "minute": 47}
